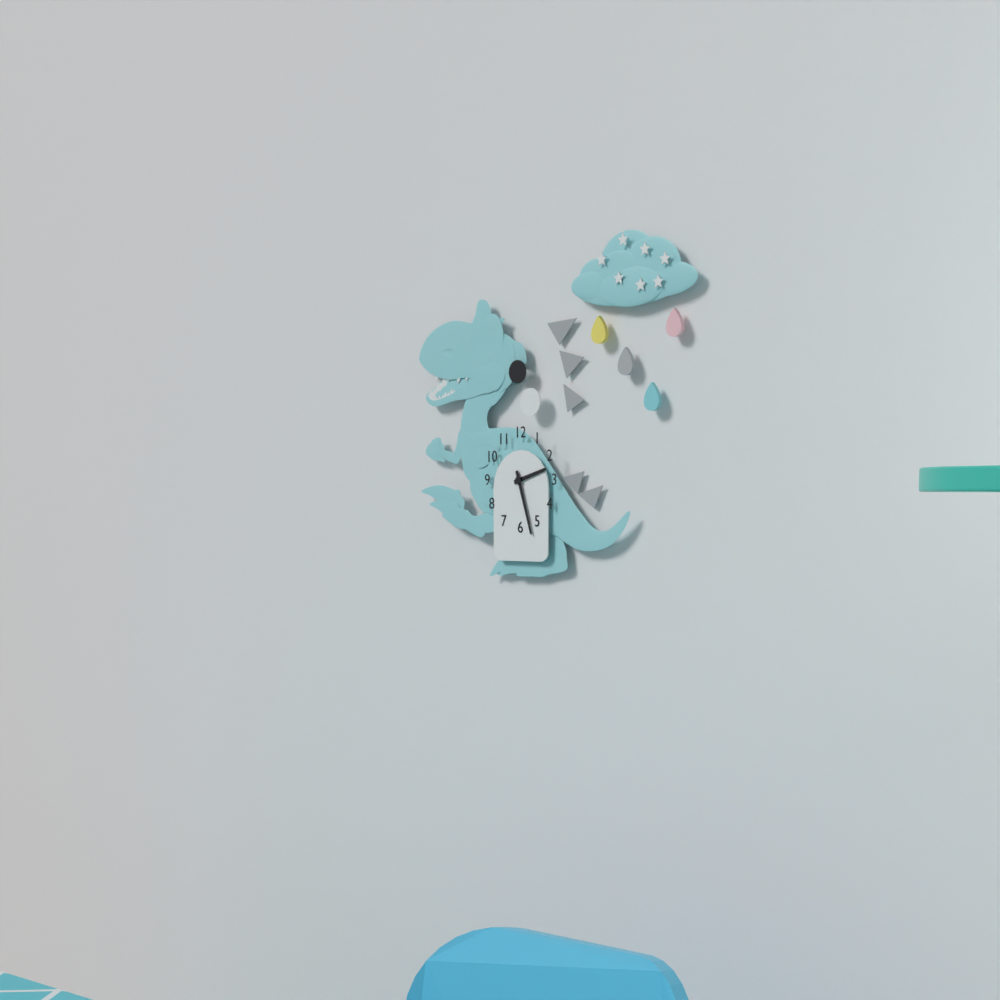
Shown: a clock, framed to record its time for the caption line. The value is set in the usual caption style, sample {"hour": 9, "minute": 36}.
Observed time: {"hour": 2, "minute": 27}
